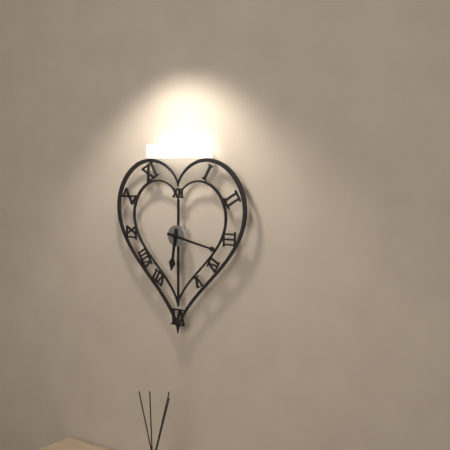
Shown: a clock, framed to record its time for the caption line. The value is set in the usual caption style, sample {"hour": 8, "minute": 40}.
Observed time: {"hour": 6, "minute": 17}
